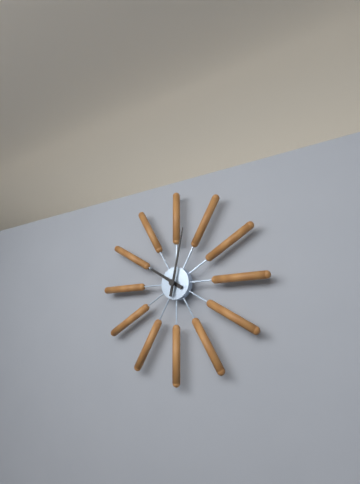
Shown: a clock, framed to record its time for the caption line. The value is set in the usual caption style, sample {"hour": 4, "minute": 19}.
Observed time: {"hour": 10, "minute": 2}
